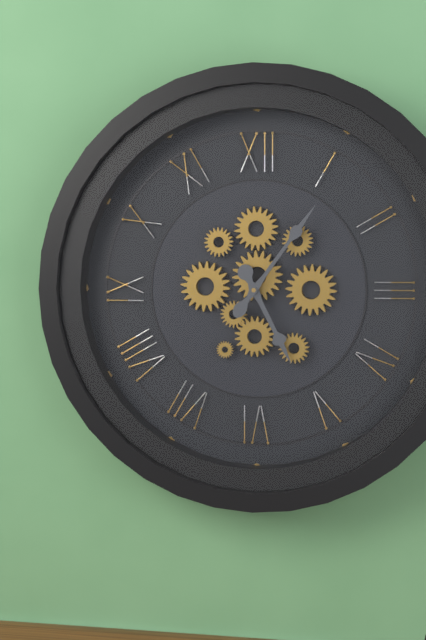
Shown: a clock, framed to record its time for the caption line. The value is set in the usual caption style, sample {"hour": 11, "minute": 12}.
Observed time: {"hour": 5, "minute": 6}
